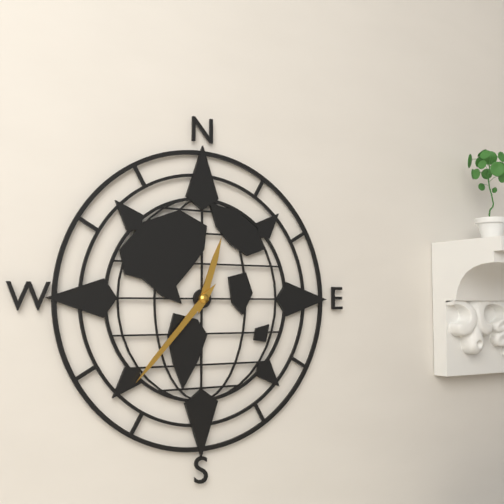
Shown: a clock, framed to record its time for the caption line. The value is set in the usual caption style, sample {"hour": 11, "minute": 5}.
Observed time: {"hour": 12, "minute": 37}
